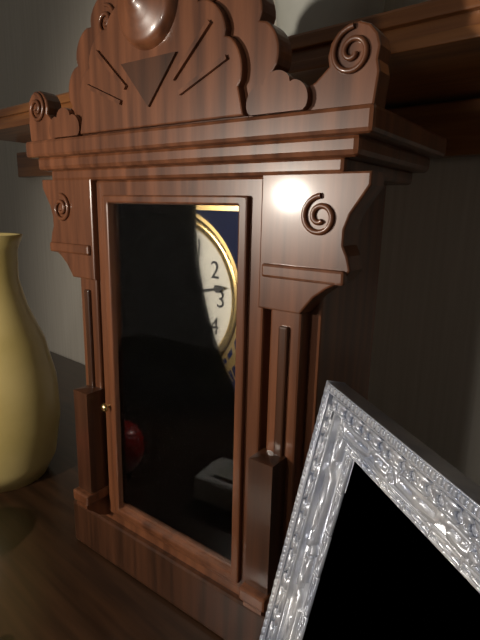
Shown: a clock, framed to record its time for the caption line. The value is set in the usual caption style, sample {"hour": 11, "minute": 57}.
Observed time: {"hour": 6, "minute": 13}
